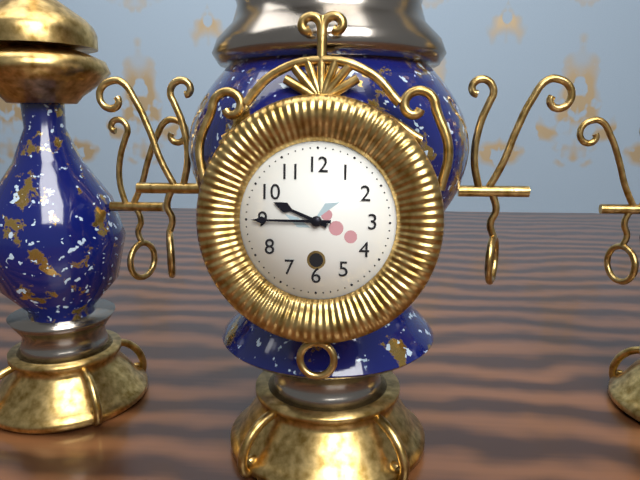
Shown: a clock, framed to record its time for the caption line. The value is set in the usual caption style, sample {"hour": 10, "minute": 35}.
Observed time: {"hour": 9, "minute": 45}
